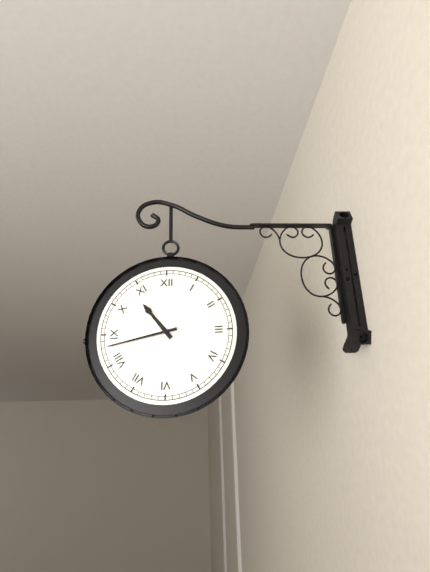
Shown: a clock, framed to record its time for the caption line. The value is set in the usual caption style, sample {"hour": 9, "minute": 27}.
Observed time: {"hour": 10, "minute": 43}
